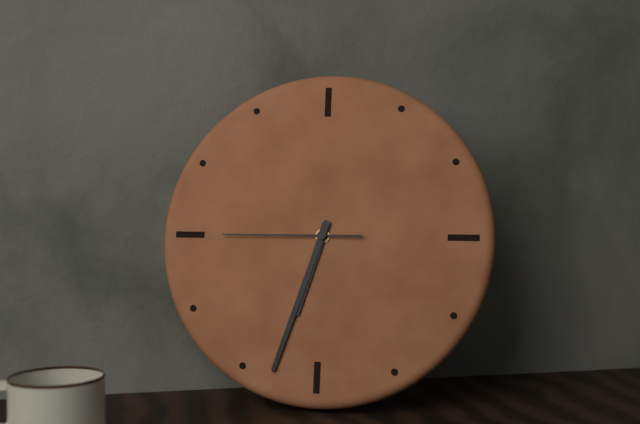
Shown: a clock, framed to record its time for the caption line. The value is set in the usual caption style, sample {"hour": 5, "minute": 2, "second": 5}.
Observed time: {"hour": 6, "minute": 33, "second": 45}
